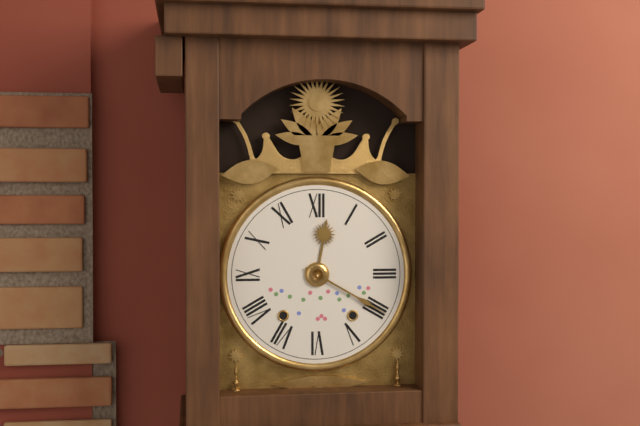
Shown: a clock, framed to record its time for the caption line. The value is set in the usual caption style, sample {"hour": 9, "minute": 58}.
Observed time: {"hour": 12, "minute": 20}
